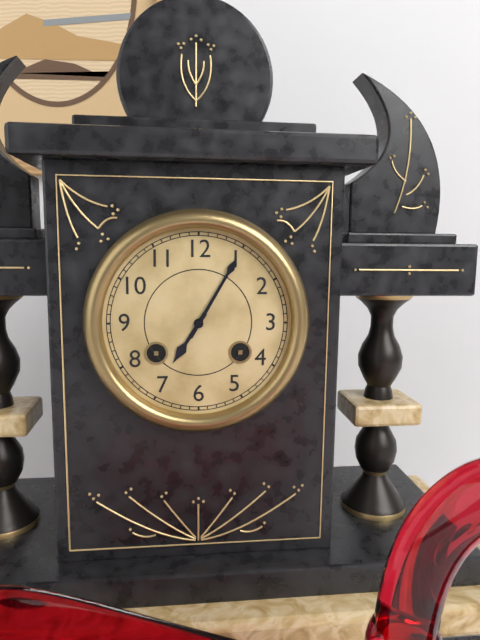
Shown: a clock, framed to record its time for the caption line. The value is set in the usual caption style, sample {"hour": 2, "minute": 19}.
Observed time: {"hour": 7, "minute": 5}
